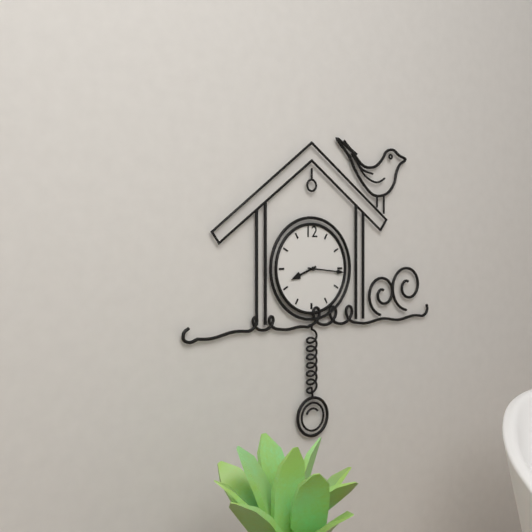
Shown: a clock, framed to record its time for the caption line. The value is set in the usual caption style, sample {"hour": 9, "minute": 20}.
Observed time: {"hour": 8, "minute": 16}
